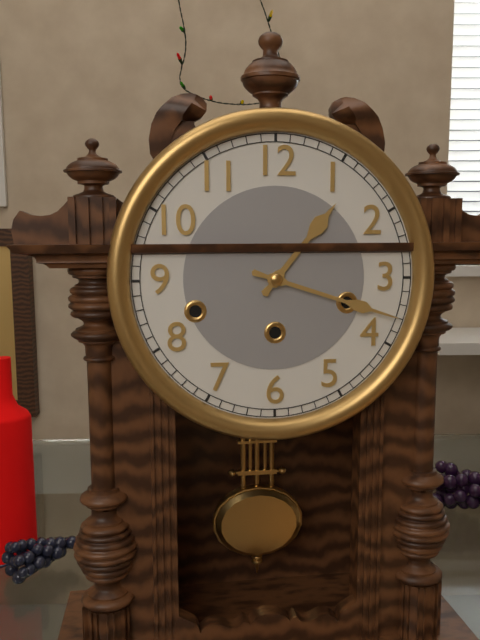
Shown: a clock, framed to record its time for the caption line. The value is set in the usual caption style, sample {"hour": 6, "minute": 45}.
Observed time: {"hour": 1, "minute": 18}
